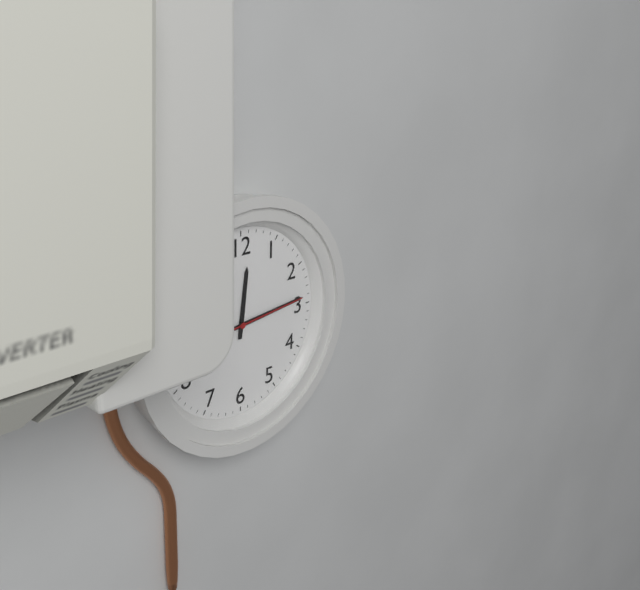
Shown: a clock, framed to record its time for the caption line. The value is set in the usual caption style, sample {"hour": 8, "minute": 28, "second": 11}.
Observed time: {"hour": 12, "minute": 14, "second": 14}
